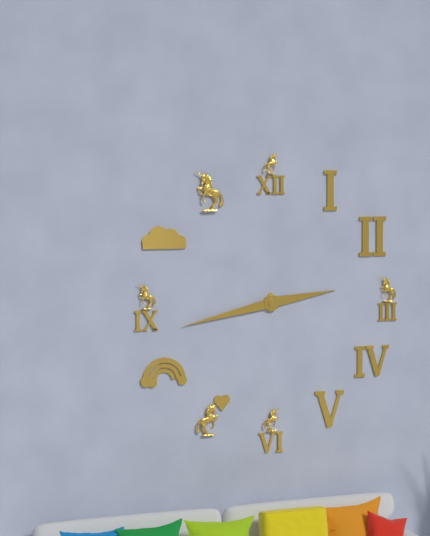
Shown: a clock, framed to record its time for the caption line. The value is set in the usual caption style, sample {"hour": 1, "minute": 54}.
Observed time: {"hour": 2, "minute": 43}
